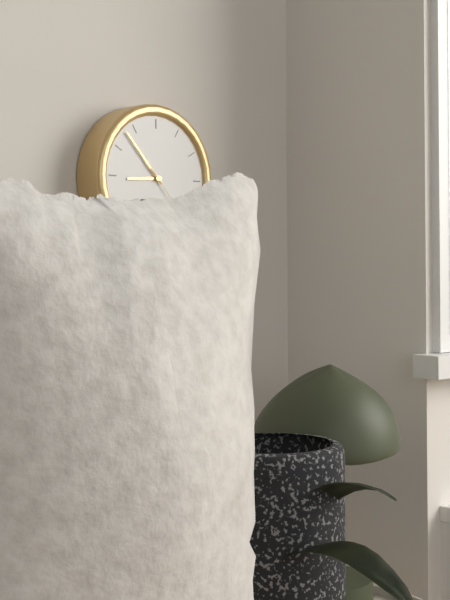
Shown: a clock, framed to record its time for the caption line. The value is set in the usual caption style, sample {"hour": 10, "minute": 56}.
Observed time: {"hour": 8, "minute": 53}
